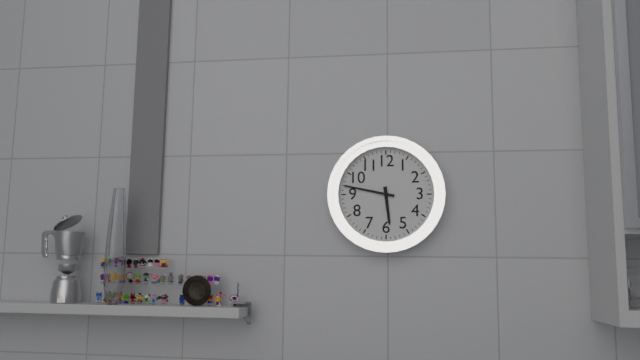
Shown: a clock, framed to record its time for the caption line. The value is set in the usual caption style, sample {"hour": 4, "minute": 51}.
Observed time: {"hour": 5, "minute": 47}
